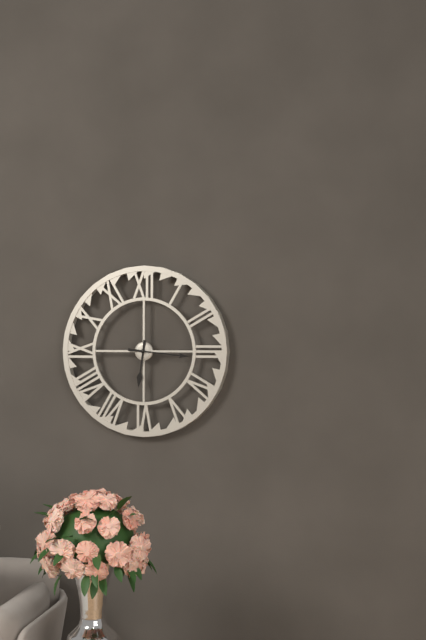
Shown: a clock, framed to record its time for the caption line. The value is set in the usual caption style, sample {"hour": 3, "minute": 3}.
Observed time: {"hour": 6, "minute": 16}
